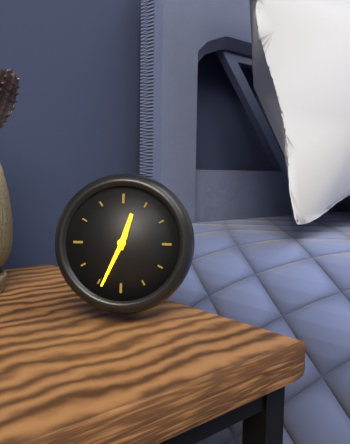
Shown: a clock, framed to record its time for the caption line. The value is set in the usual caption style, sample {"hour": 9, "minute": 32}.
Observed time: {"hour": 12, "minute": 34}
